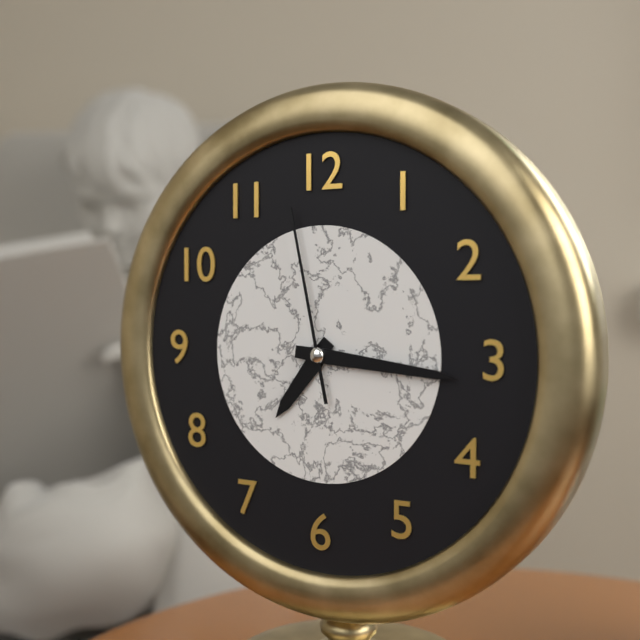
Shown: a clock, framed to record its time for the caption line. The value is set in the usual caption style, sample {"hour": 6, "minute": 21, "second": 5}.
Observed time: {"hour": 7, "minute": 16, "second": 58}
